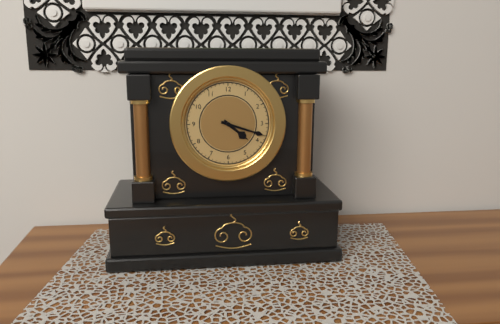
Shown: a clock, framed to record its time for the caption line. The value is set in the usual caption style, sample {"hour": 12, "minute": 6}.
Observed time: {"hour": 4, "minute": 18}
